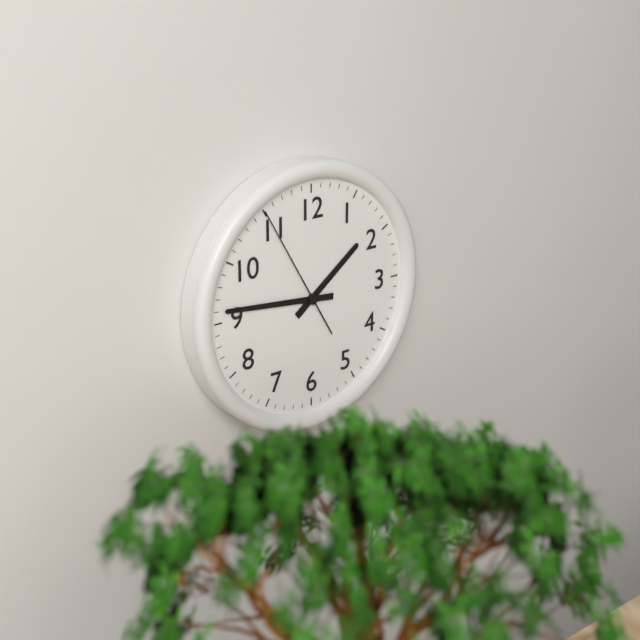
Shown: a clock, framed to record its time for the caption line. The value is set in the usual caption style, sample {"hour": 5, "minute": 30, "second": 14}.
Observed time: {"hour": 1, "minute": 46, "second": 55}
